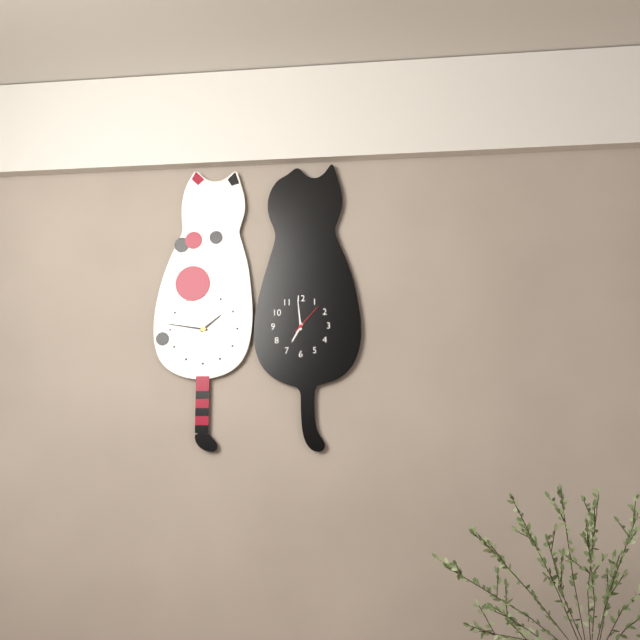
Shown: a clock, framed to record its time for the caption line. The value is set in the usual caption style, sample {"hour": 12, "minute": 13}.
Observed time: {"hour": 6, "minute": 59}
